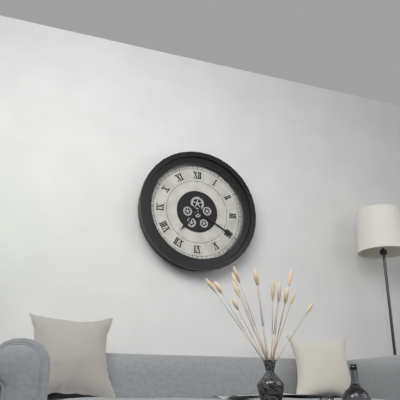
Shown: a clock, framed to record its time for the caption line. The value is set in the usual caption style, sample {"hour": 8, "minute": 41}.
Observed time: {"hour": 7, "minute": 20}
